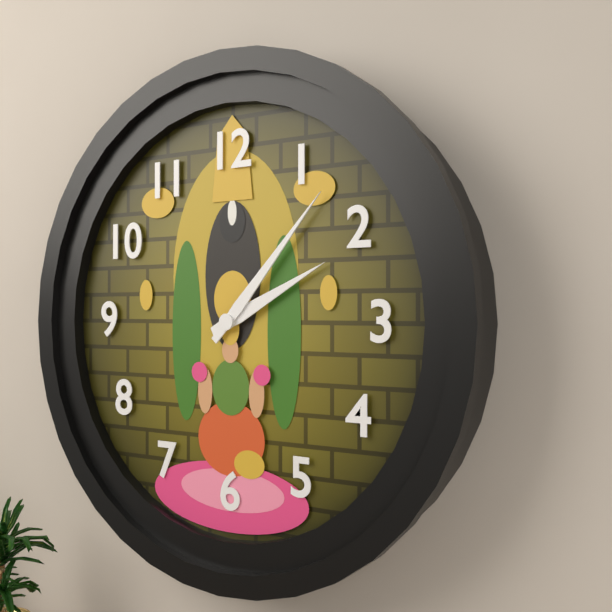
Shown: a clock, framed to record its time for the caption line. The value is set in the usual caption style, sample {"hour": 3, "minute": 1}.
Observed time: {"hour": 2, "minute": 7}
